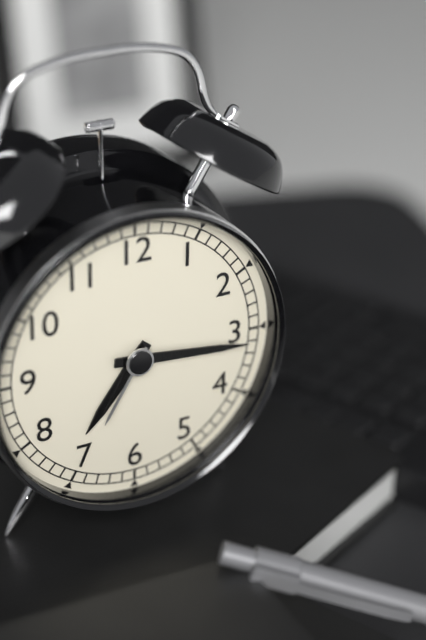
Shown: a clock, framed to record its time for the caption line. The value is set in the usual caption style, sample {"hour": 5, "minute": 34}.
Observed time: {"hour": 7, "minute": 16}
